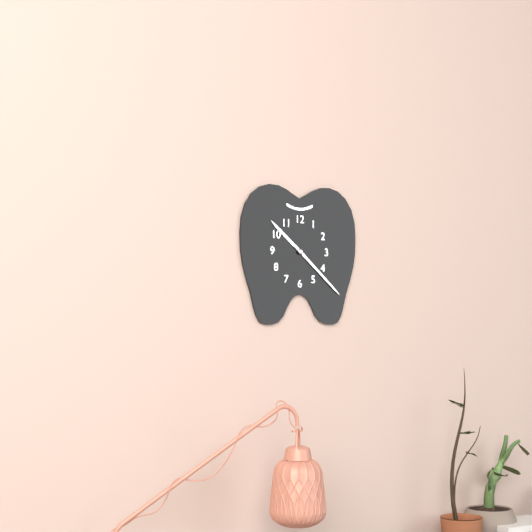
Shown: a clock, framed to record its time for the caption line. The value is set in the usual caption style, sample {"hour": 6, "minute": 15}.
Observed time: {"hour": 10, "minute": 22}
